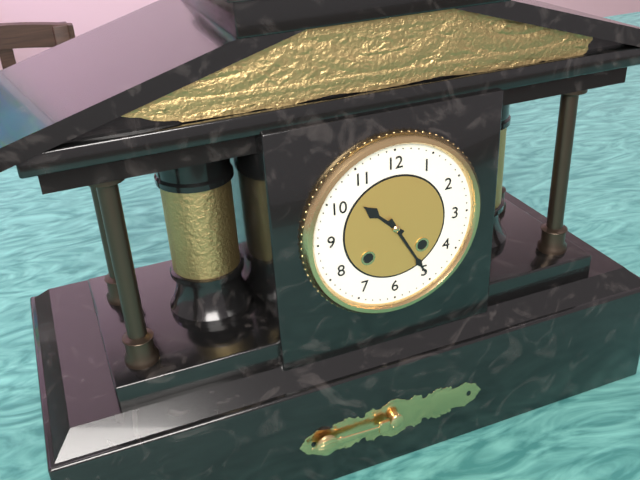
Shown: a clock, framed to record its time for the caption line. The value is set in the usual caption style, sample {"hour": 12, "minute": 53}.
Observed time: {"hour": 10, "minute": 25}
